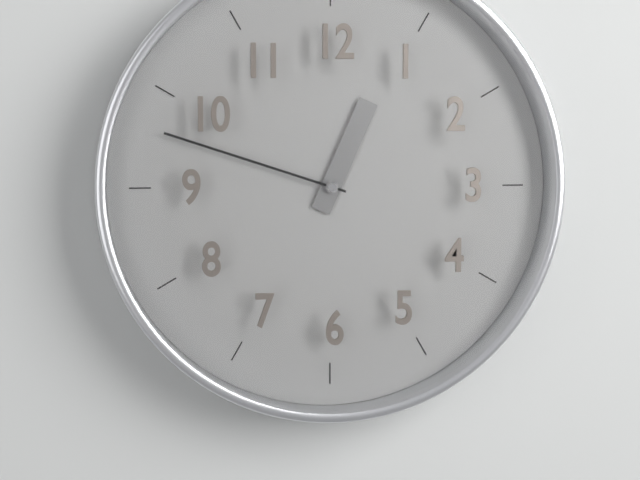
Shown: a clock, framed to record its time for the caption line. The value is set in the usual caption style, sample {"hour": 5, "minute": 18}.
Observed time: {"hour": 12, "minute": 48}
